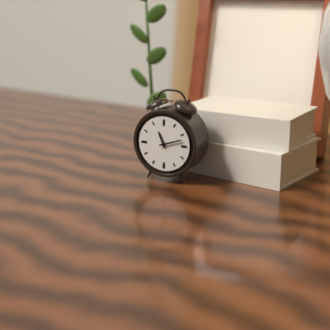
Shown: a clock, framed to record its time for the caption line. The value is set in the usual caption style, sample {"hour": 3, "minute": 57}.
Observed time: {"hour": 11, "minute": 12}
